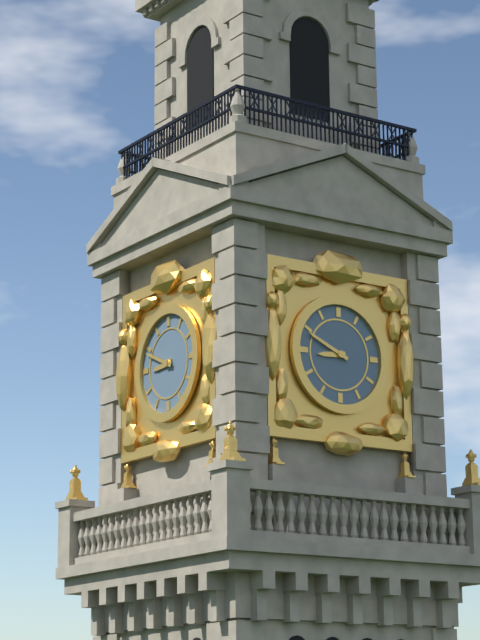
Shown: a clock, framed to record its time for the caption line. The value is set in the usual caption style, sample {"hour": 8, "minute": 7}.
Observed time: {"hour": 8, "minute": 49}
